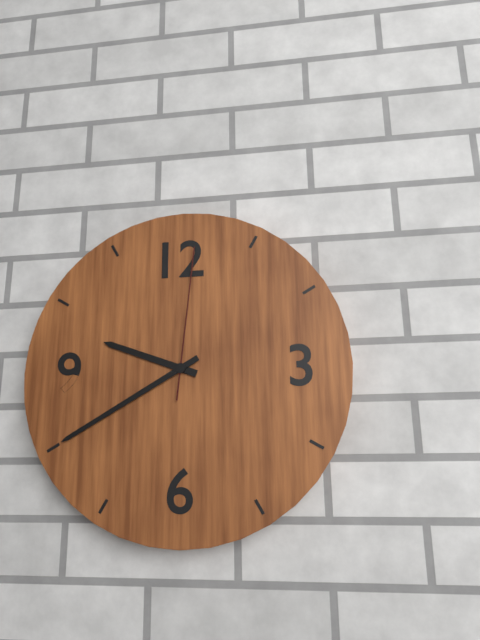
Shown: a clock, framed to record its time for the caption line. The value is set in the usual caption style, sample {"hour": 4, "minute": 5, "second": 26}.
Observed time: {"hour": 9, "minute": 40, "second": 1}
